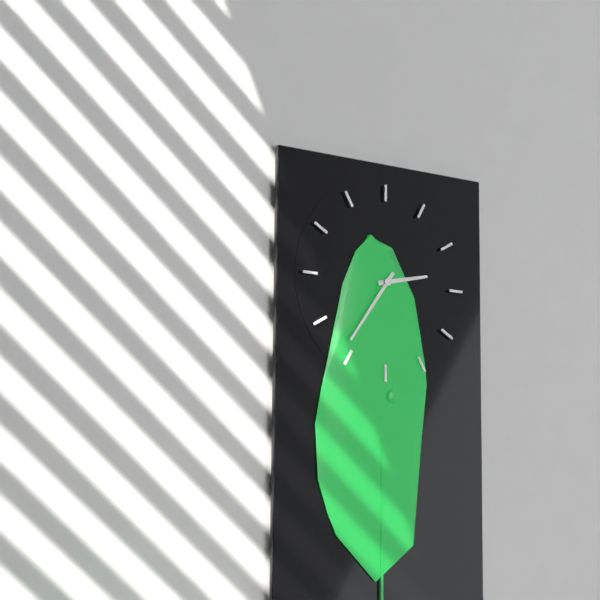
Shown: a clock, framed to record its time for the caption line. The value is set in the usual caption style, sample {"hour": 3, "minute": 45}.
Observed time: {"hour": 2, "minute": 36}
